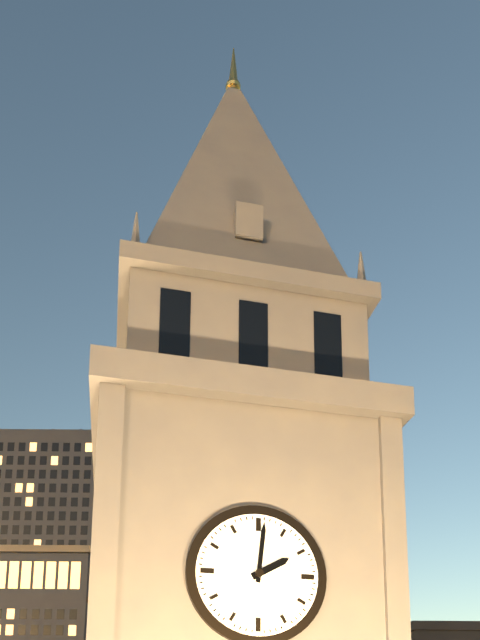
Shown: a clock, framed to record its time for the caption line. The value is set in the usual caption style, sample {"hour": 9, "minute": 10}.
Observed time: {"hour": 2, "minute": 1}
